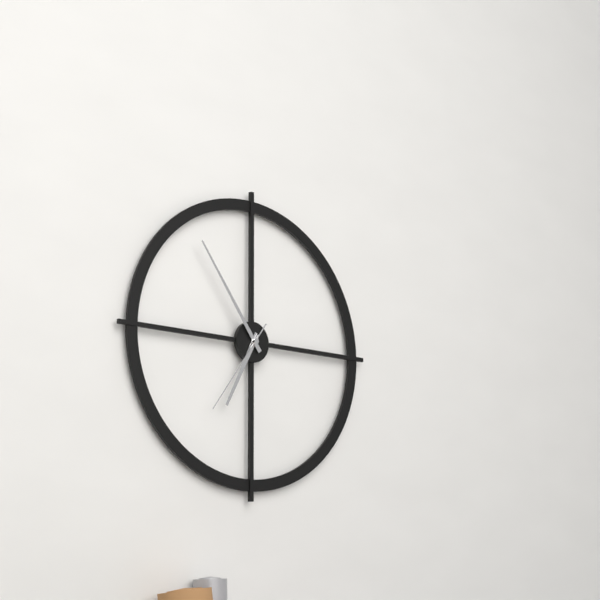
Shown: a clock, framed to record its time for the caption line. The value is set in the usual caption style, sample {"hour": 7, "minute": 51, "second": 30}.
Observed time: {"hour": 6, "minute": 54, "second": 36}
